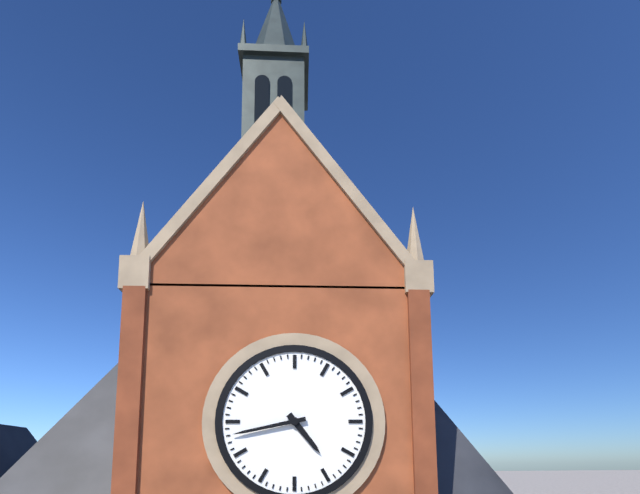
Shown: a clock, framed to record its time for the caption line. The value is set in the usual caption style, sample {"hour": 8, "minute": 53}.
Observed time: {"hour": 4, "minute": 43}
